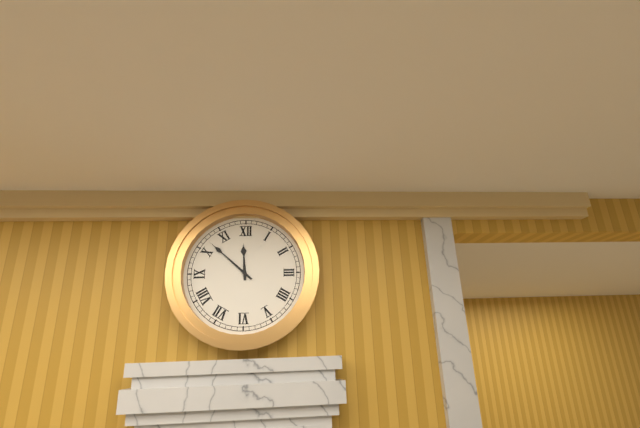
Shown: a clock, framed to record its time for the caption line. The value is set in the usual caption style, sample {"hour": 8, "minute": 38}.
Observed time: {"hour": 11, "minute": 52}
